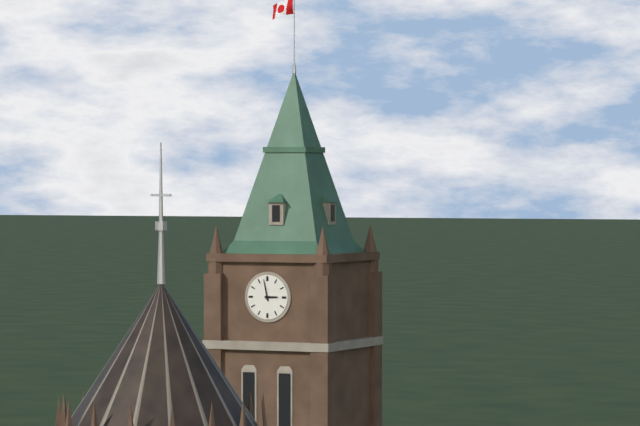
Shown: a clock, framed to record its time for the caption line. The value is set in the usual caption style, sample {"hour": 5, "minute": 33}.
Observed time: {"hour": 2, "minute": 58}
